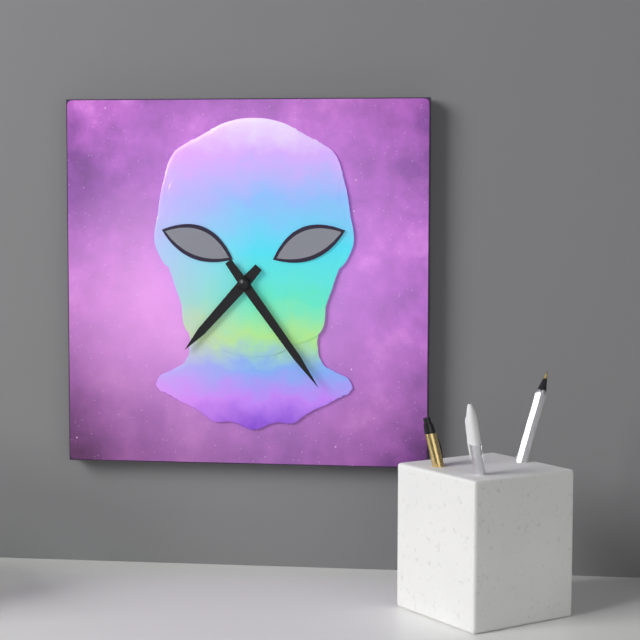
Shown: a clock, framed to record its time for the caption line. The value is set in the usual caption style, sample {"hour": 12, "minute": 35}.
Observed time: {"hour": 7, "minute": 24}
